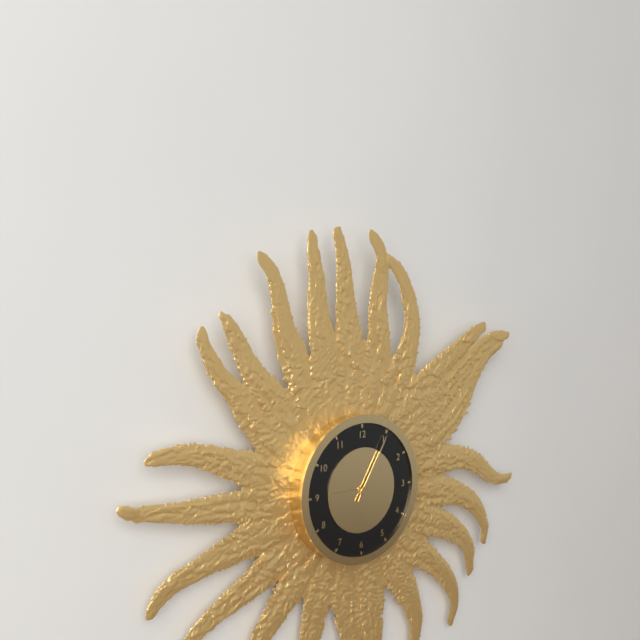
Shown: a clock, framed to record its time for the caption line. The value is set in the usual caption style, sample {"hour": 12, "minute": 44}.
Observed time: {"hour": 9, "minute": 5}
